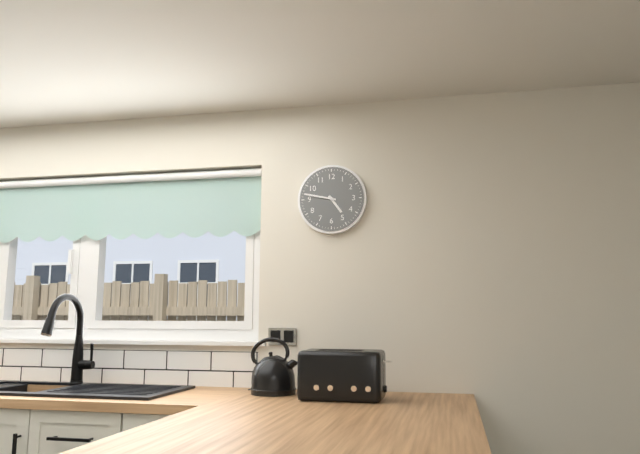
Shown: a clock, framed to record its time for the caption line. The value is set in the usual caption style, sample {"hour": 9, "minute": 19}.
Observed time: {"hour": 4, "minute": 47}
